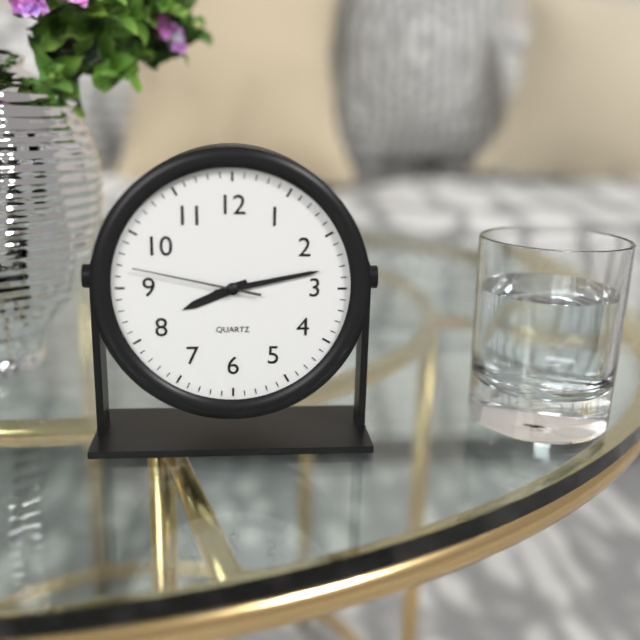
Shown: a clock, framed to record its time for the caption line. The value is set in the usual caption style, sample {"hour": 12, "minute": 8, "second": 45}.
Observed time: {"hour": 8, "minute": 13, "second": 47}
